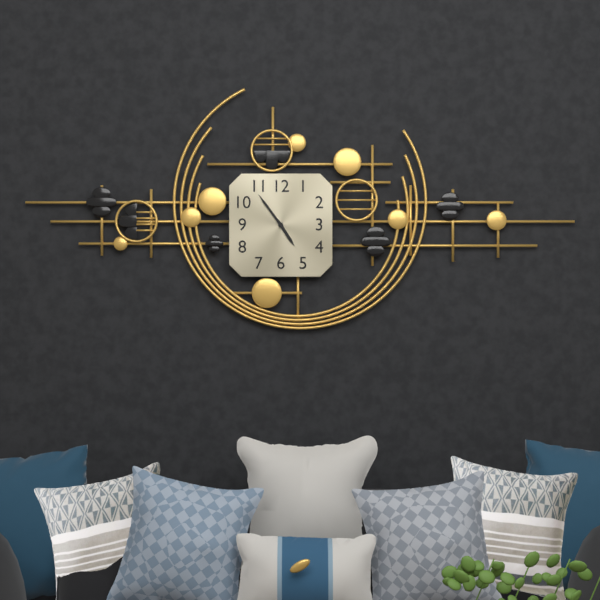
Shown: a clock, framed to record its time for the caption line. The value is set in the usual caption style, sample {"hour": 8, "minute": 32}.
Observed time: {"hour": 4, "minute": 54}
